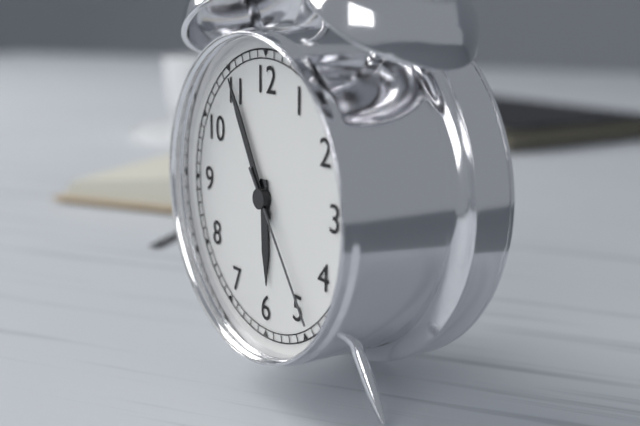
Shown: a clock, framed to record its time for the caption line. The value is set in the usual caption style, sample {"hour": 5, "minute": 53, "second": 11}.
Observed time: {"hour": 5, "minute": 55, "second": 24}
